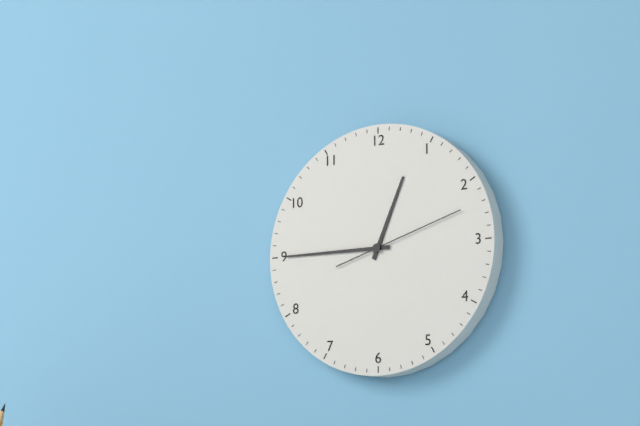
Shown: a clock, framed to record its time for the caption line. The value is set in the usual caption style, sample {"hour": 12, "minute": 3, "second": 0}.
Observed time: {"hour": 12, "minute": 45, "second": 12}
